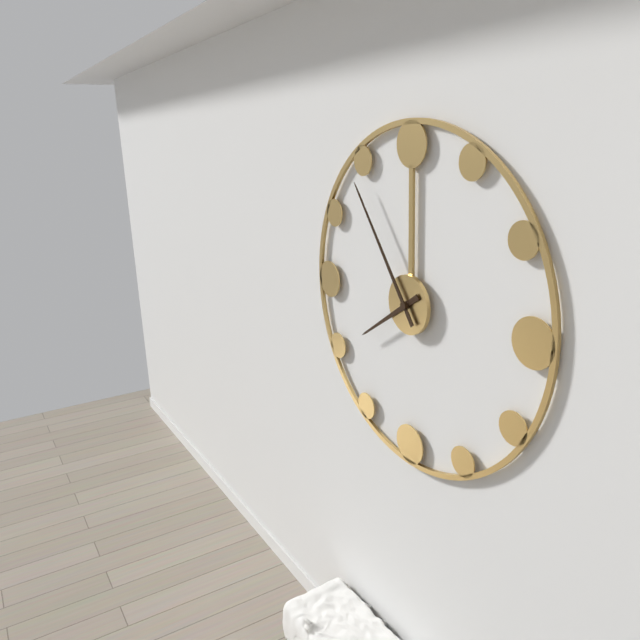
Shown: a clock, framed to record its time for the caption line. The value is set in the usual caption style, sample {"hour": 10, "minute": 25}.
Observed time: {"hour": 7, "minute": 54}
